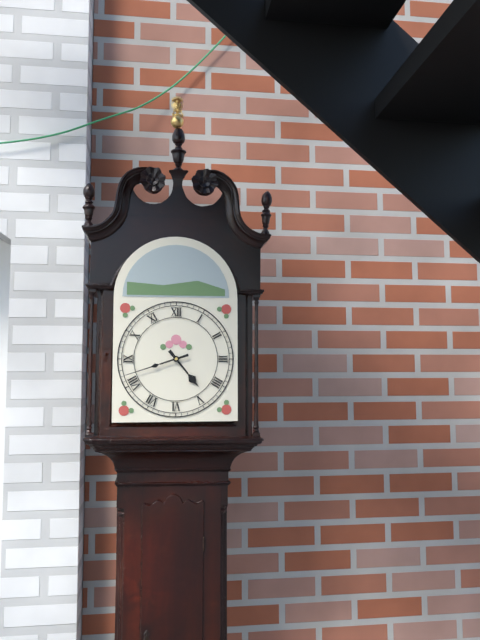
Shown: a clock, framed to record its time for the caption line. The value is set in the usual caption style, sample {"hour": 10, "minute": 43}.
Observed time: {"hour": 4, "minute": 42}
